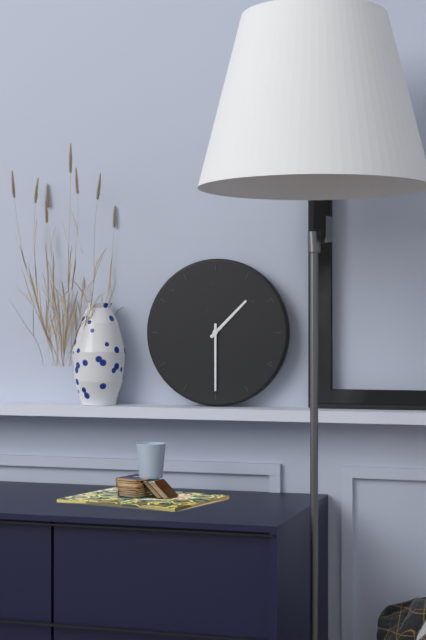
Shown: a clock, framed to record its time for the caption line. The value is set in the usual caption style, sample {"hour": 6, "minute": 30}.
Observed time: {"hour": 1, "minute": 30}
